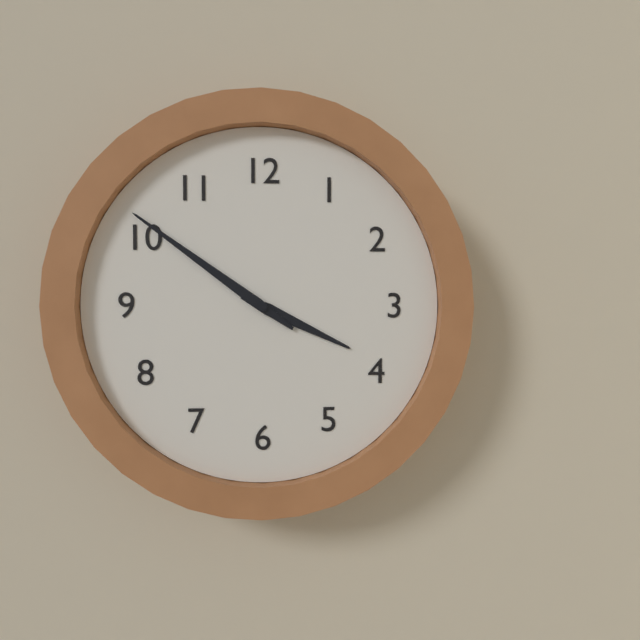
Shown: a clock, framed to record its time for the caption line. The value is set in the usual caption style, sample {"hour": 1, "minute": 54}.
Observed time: {"hour": 3, "minute": 51}
